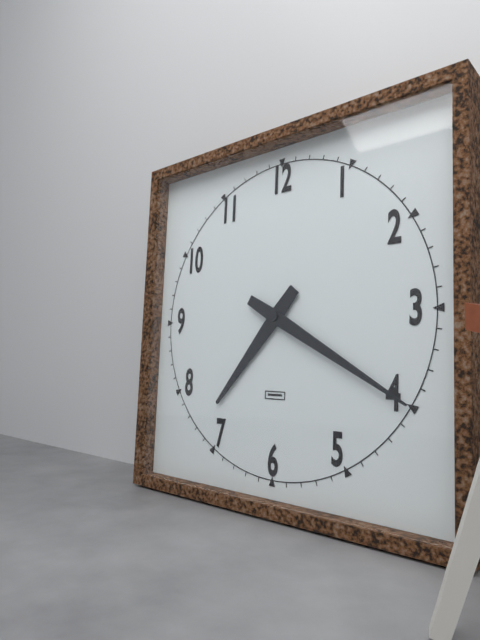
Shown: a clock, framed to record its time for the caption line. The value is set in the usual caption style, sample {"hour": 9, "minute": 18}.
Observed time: {"hour": 7, "minute": 20}
